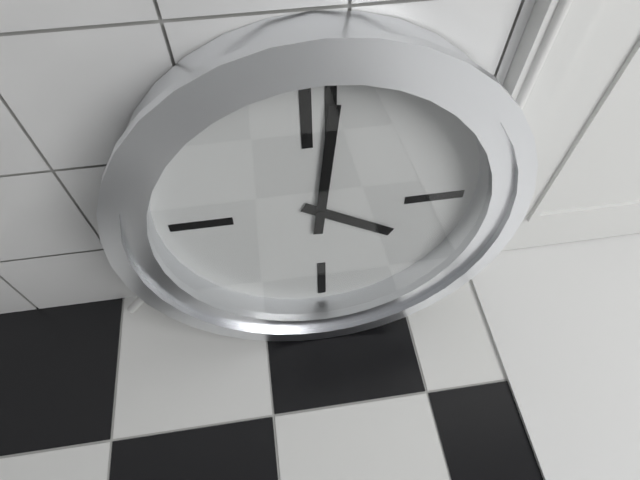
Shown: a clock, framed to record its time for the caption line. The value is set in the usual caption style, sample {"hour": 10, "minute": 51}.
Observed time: {"hour": 4, "minute": 1}
